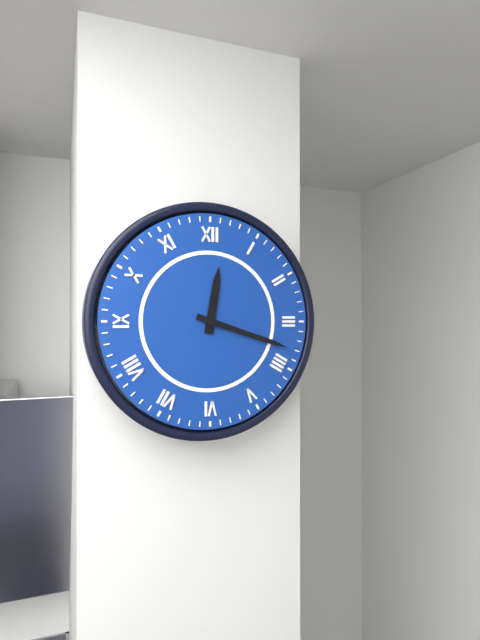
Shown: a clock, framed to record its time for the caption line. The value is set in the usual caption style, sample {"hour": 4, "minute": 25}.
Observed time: {"hour": 12, "minute": 18}
